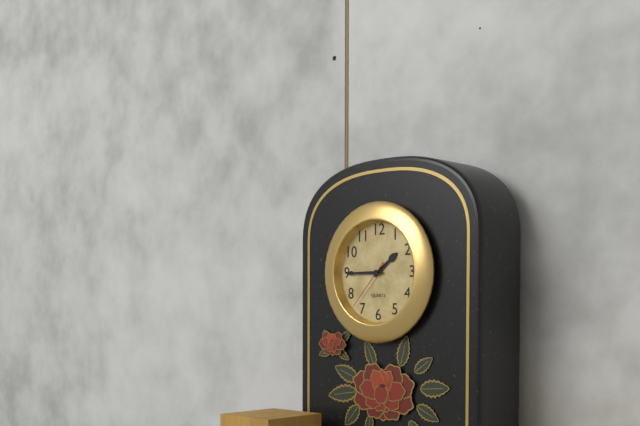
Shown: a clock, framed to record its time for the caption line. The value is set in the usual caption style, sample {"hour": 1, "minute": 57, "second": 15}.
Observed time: {"hour": 1, "minute": 45, "second": 37}
